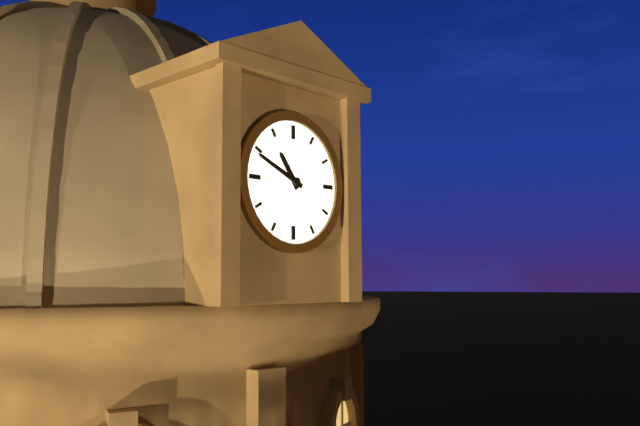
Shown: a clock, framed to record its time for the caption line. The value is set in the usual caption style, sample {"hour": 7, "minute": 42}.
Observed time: {"hour": 10, "minute": 49}
